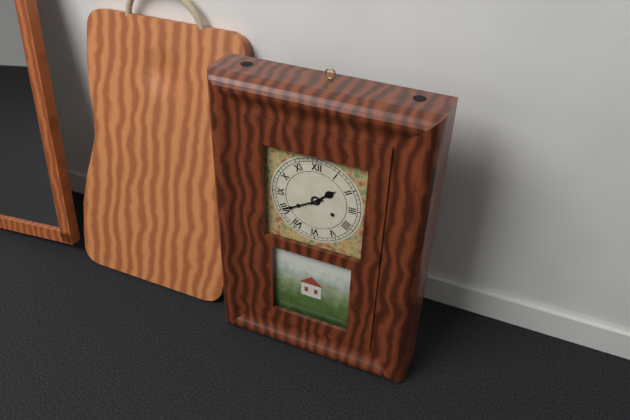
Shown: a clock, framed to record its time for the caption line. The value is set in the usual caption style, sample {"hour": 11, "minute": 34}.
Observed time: {"hour": 1, "minute": 40}
